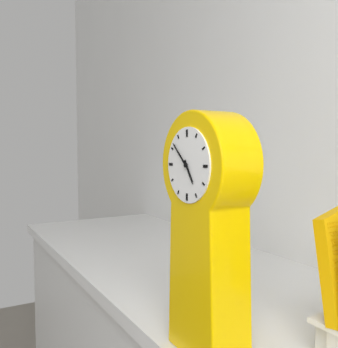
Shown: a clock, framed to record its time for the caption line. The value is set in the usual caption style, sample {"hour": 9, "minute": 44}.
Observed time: {"hour": 4, "minute": 52}
